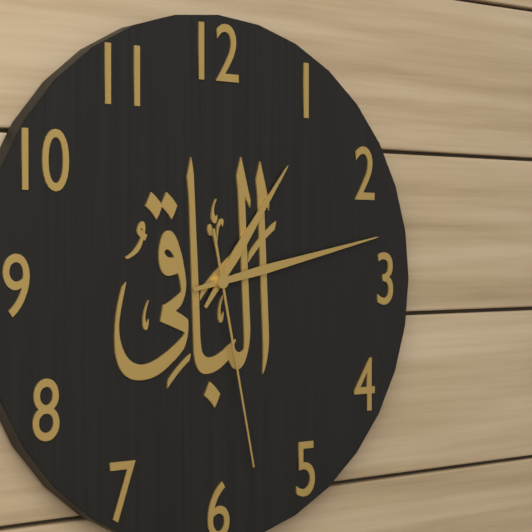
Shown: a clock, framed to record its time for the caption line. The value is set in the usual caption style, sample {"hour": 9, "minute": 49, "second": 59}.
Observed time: {"hour": 1, "minute": 13, "second": 28}
